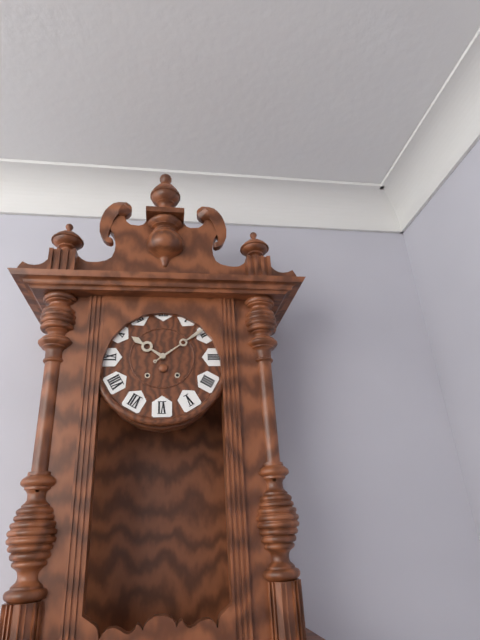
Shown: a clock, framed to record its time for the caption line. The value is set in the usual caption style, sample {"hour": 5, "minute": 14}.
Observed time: {"hour": 10, "minute": 9}
